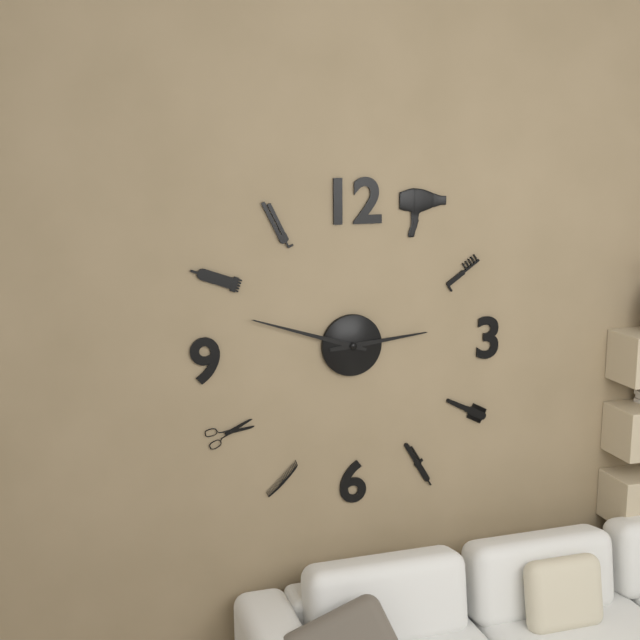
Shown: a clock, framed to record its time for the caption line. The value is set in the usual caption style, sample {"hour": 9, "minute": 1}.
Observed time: {"hour": 2, "minute": 48}
